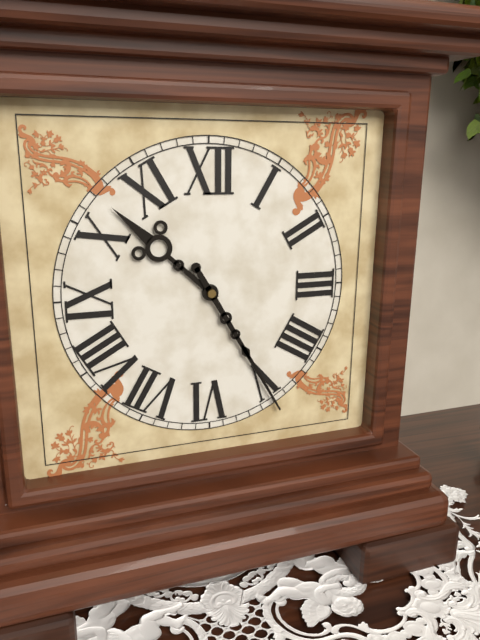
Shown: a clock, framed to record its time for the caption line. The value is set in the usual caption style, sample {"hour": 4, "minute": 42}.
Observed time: {"hour": 10, "minute": 25}
